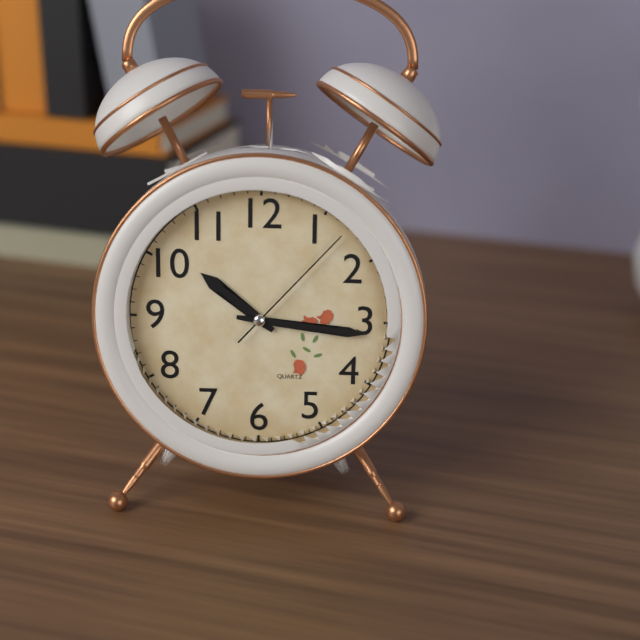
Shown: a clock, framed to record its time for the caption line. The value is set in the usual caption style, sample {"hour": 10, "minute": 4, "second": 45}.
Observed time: {"hour": 10, "minute": 16, "second": 7}
